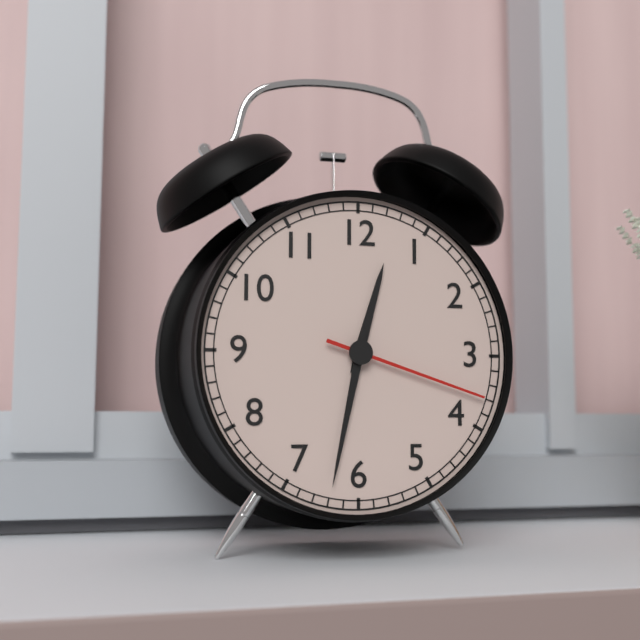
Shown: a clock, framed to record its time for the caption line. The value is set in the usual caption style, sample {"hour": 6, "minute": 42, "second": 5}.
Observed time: {"hour": 12, "minute": 32, "second": 18}
